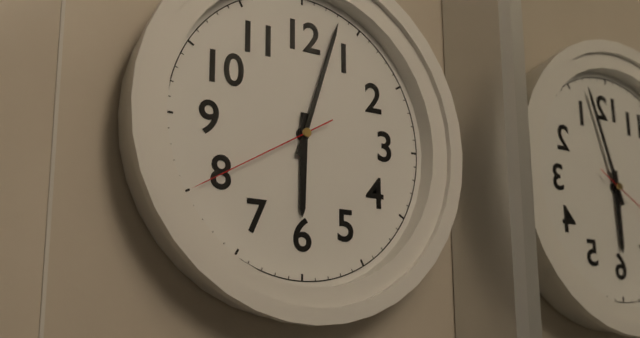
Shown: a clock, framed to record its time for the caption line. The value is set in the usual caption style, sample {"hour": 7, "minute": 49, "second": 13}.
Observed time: {"hour": 6, "minute": 3, "second": 40}
